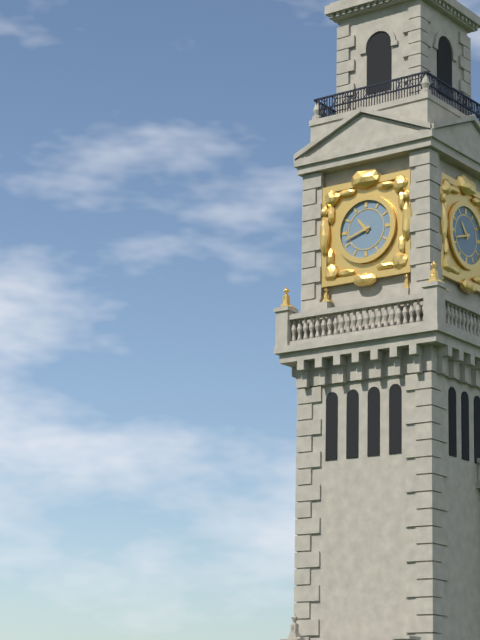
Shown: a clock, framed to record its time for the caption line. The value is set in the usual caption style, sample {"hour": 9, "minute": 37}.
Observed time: {"hour": 10, "minute": 42}
